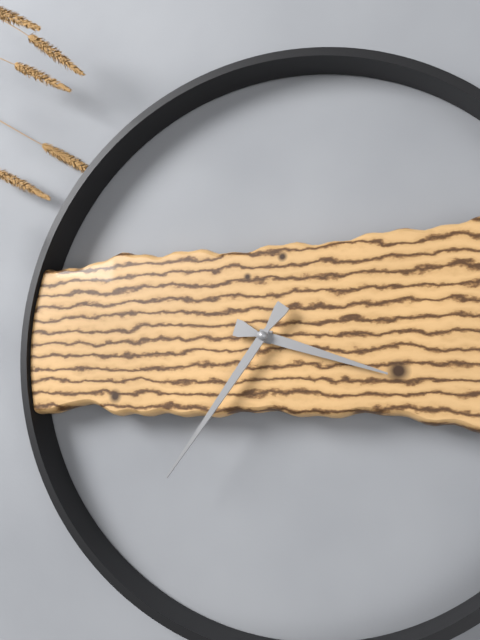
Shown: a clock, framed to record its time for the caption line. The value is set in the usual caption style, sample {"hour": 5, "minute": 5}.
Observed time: {"hour": 3, "minute": 36}
